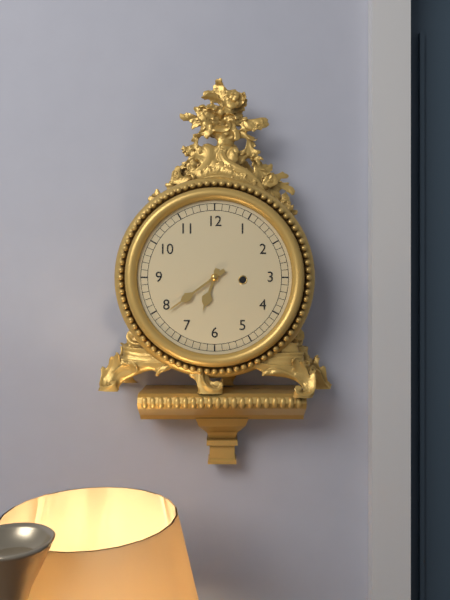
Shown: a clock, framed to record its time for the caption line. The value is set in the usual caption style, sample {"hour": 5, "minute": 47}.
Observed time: {"hour": 6, "minute": 39}
